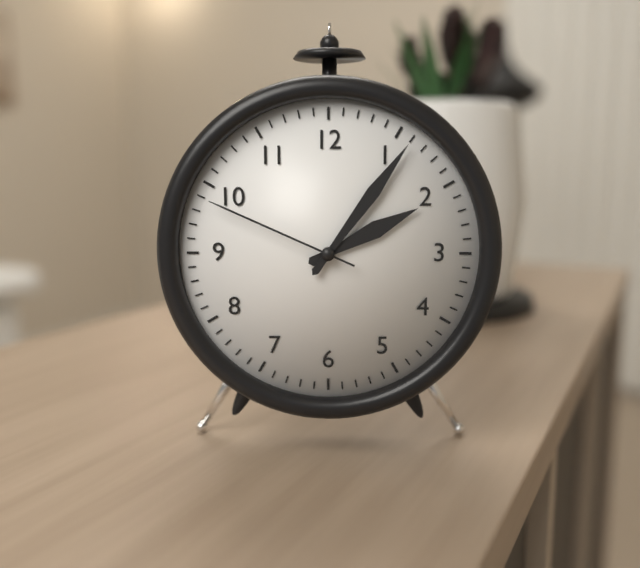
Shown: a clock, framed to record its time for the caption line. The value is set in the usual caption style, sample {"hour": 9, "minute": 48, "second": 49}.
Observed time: {"hour": 2, "minute": 6, "second": 49}
